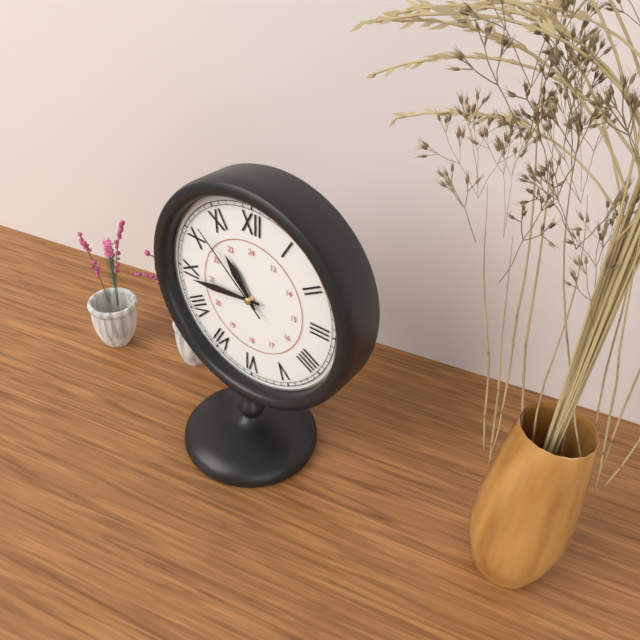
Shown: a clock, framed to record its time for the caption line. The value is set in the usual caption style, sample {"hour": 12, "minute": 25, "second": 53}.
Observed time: {"hour": 10, "minute": 44, "second": 52}
